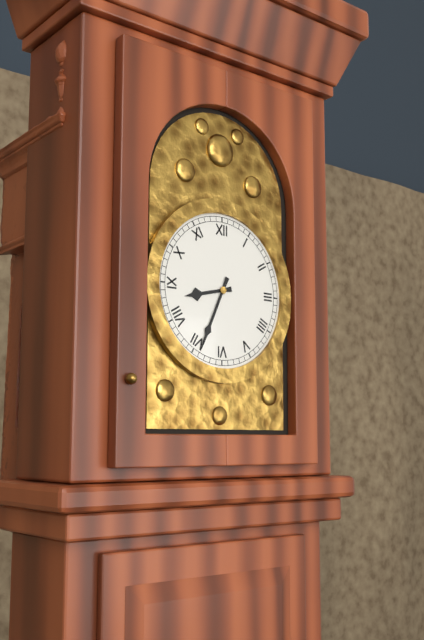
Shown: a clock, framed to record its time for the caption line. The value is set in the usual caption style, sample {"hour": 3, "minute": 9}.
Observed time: {"hour": 8, "minute": 34}
